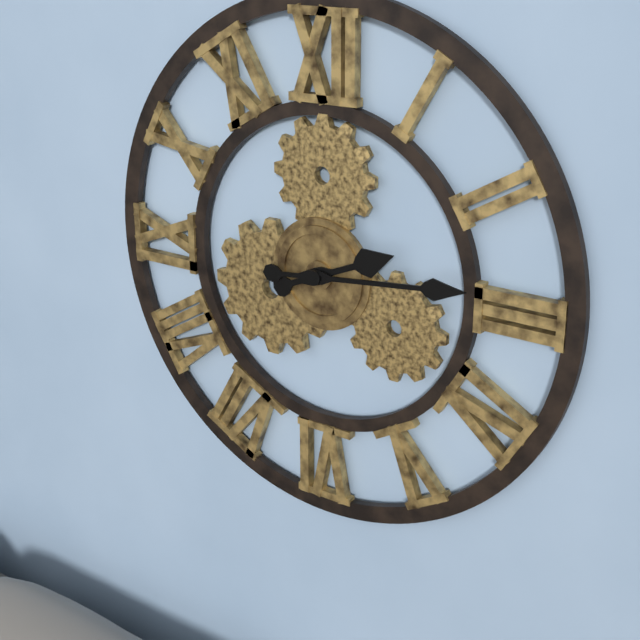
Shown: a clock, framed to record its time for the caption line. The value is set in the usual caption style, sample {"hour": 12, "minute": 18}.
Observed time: {"hour": 2, "minute": 14}
